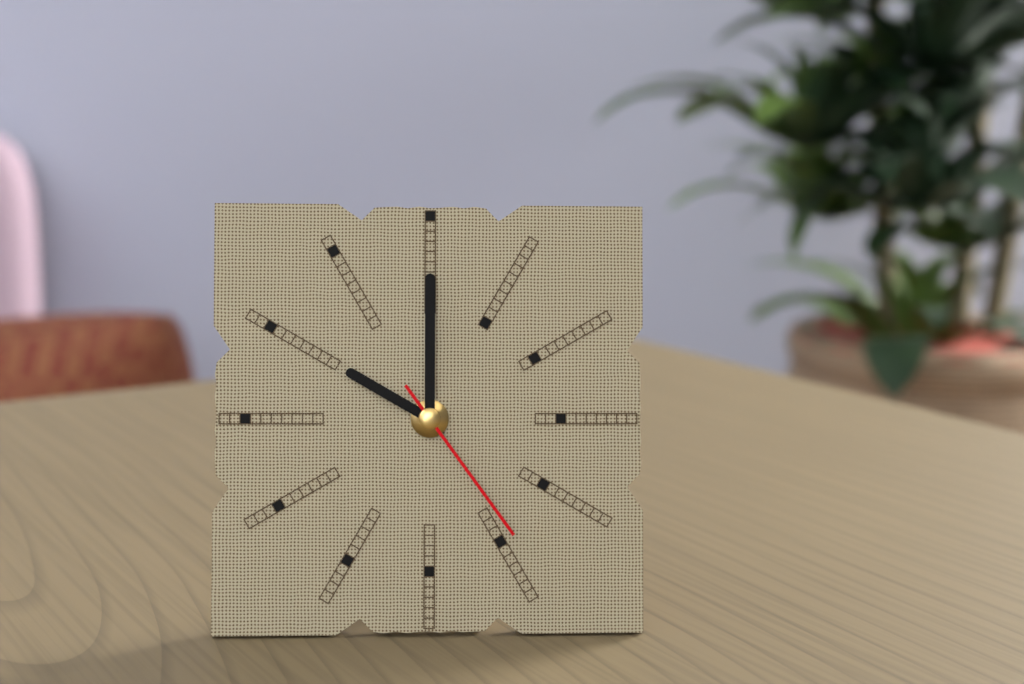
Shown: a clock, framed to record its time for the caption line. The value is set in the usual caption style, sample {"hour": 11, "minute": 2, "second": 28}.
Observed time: {"hour": 10, "minute": 0, "second": 24}
